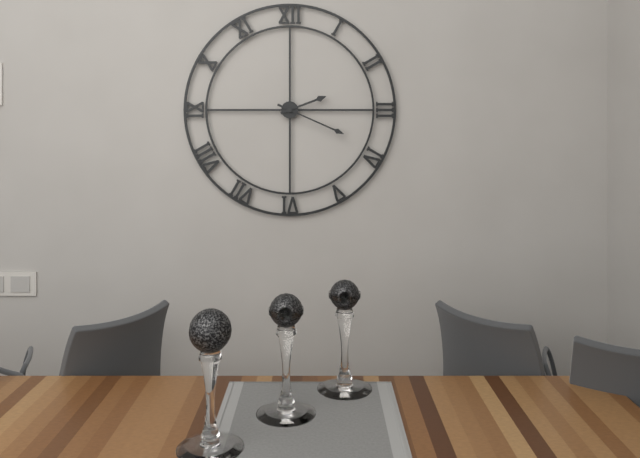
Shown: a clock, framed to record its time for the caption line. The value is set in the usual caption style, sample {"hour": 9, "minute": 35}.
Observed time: {"hour": 2, "minute": 19}
